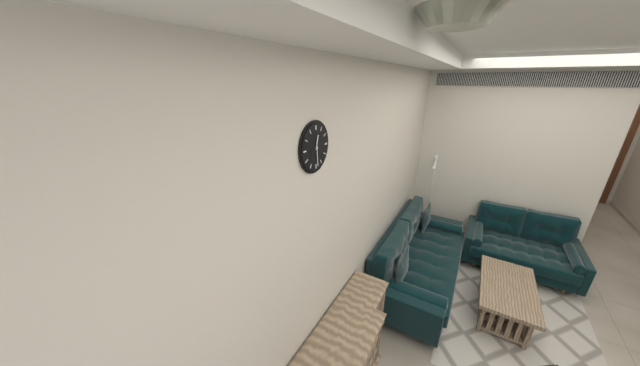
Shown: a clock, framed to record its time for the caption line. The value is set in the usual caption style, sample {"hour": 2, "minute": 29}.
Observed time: {"hour": 12, "minute": 29}
